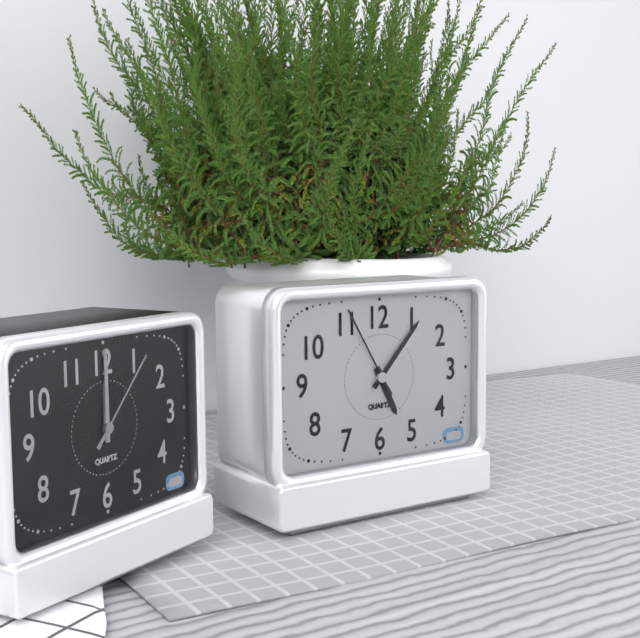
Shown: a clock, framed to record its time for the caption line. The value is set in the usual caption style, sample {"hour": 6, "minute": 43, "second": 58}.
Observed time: {"hour": 5, "minute": 7, "second": 55}
